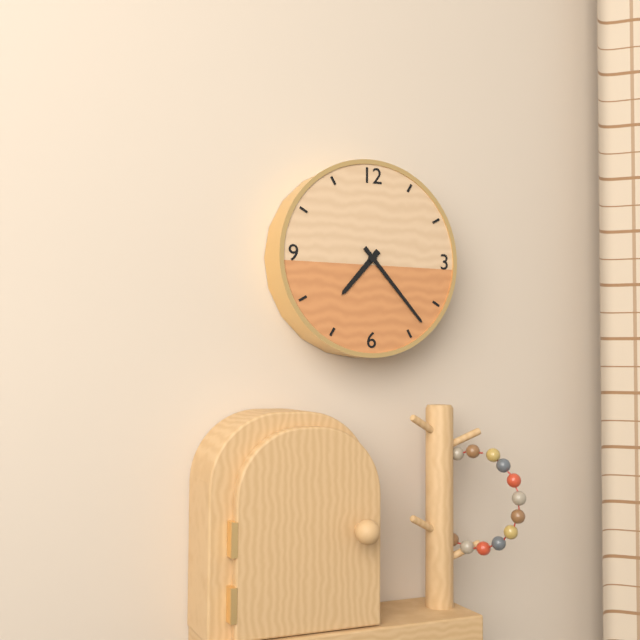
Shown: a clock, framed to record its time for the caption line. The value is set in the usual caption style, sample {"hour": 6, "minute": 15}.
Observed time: {"hour": 7, "minute": 23}
